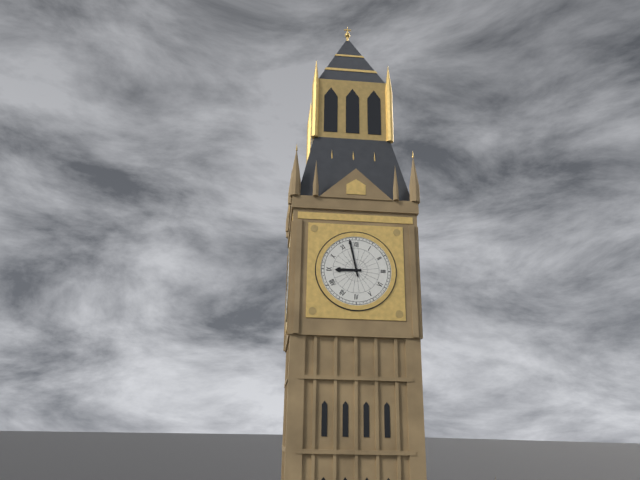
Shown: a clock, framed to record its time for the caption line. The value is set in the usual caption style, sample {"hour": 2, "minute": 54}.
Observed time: {"hour": 8, "minute": 58}
